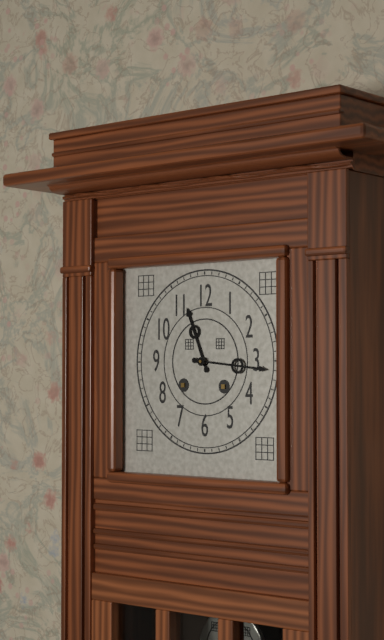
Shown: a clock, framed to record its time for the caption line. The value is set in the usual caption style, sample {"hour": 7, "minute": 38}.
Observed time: {"hour": 11, "minute": 16}
